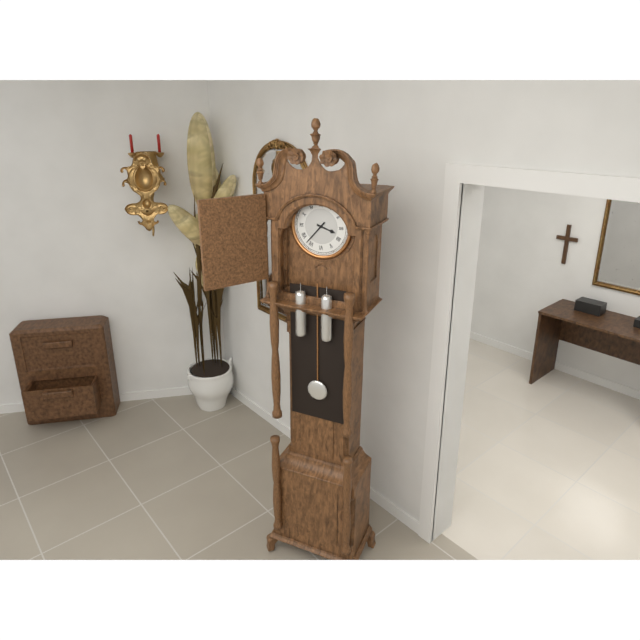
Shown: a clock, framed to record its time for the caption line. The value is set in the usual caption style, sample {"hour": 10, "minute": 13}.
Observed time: {"hour": 3, "minute": 37}
